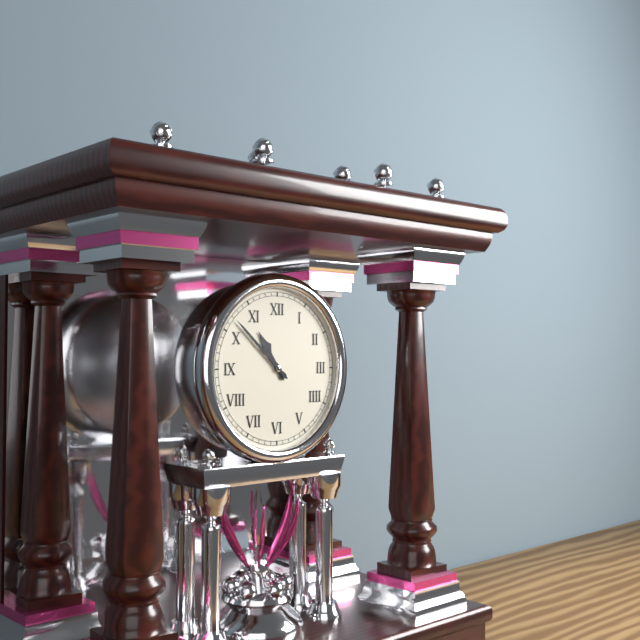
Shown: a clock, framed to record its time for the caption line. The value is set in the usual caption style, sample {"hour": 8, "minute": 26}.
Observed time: {"hour": 10, "minute": 52}
